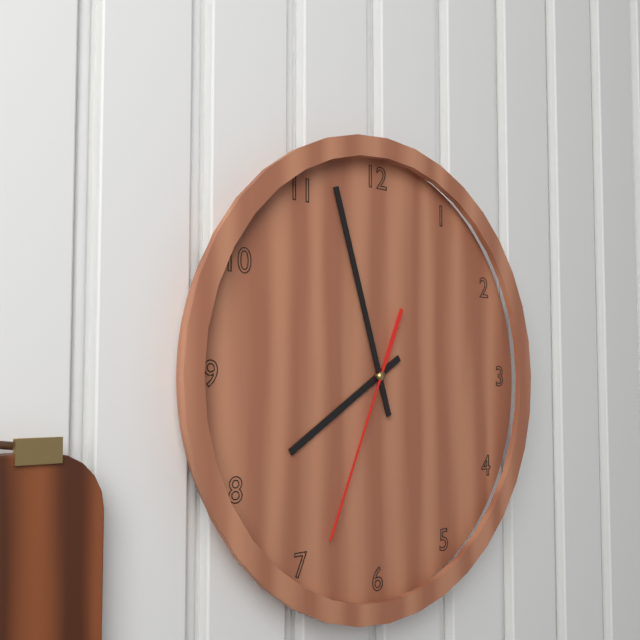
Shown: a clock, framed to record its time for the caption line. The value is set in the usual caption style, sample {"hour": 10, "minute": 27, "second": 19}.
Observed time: {"hour": 7, "minute": 57, "second": 34}
